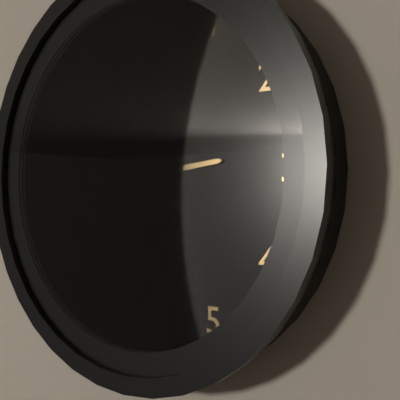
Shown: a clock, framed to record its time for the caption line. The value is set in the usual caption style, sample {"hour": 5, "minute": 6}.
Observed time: {"hour": 2, "minute": 47}
